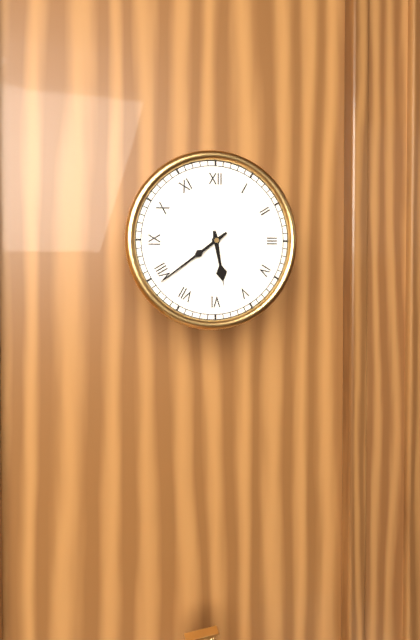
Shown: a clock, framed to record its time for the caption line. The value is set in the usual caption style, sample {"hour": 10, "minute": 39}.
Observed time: {"hour": 5, "minute": 39}
